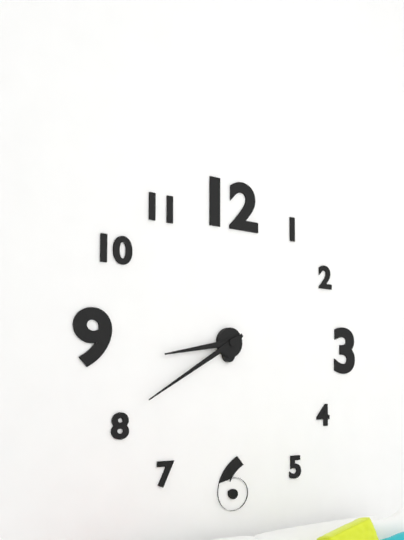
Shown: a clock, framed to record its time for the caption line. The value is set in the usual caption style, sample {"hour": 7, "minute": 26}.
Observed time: {"hour": 8, "minute": 40}
